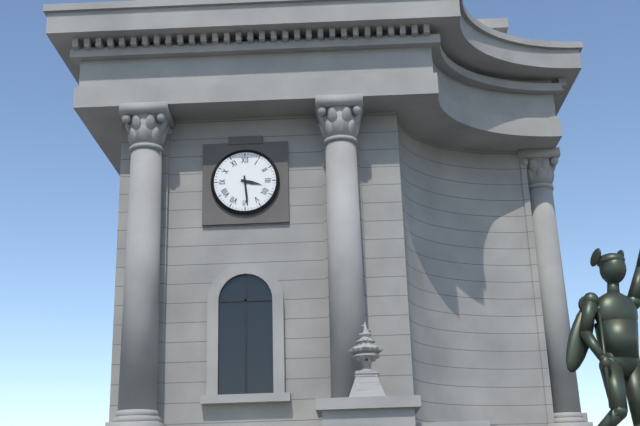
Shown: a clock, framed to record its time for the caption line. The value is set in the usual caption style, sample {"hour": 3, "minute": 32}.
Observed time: {"hour": 3, "minute": 29}
